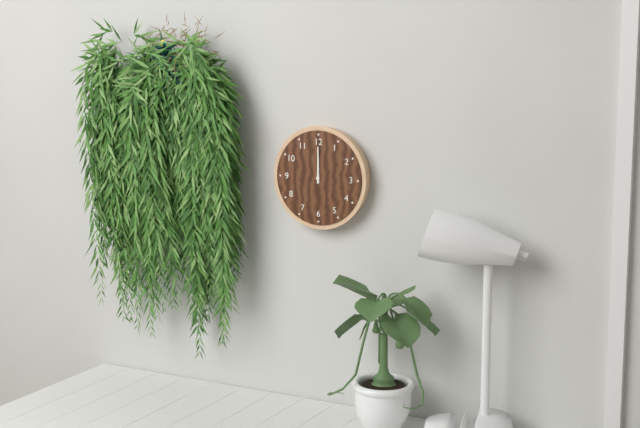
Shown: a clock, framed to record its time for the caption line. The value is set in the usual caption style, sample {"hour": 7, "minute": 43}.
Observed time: {"hour": 12, "minute": 0}
